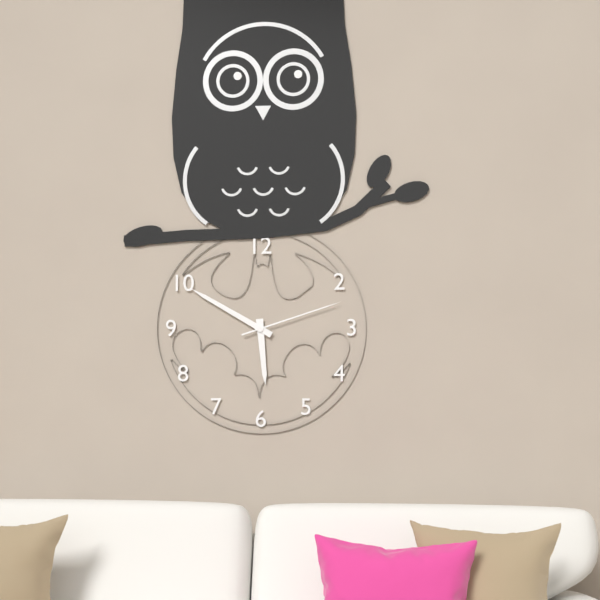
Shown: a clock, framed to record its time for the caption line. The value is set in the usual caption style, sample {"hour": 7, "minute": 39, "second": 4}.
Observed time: {"hour": 5, "minute": 50, "second": 12}
